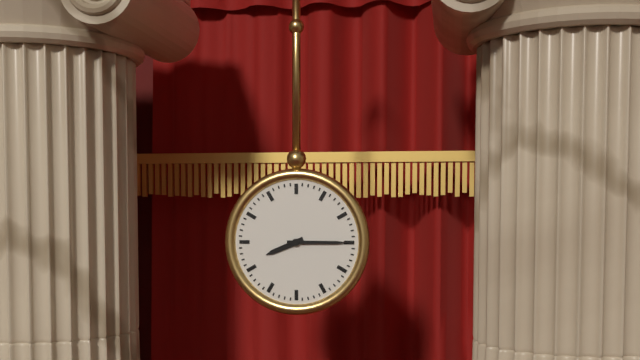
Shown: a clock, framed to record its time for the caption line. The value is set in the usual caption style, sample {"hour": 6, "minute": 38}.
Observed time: {"hour": 8, "minute": 15}
